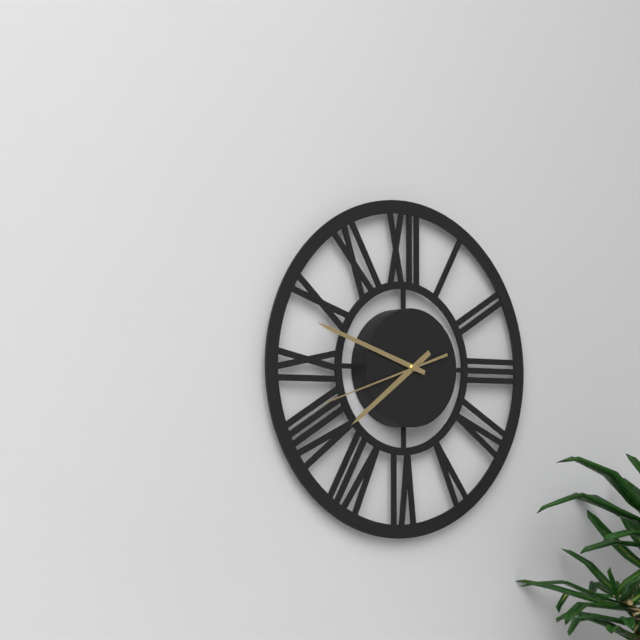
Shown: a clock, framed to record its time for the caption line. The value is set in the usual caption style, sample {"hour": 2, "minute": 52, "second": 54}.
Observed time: {"hour": 7, "minute": 48, "second": 42}
